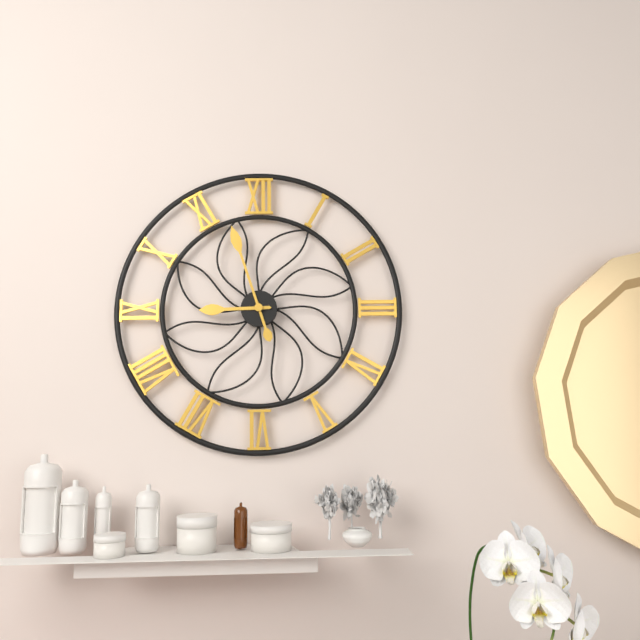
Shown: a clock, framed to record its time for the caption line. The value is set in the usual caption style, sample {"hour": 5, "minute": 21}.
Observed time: {"hour": 8, "minute": 57}
